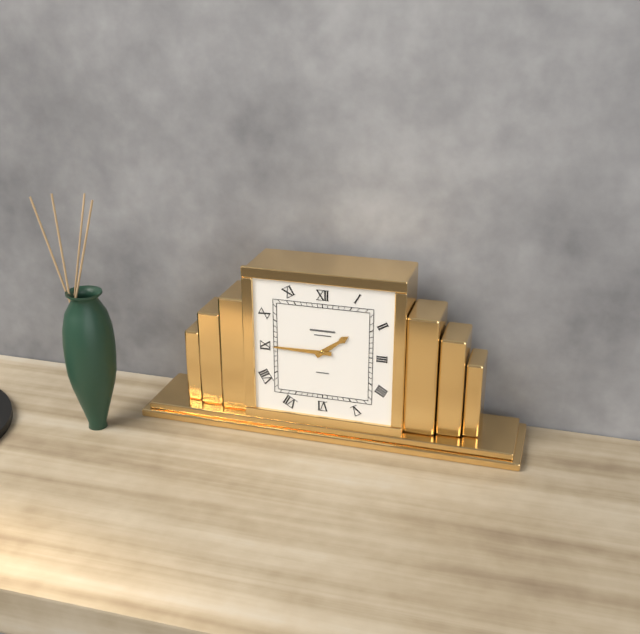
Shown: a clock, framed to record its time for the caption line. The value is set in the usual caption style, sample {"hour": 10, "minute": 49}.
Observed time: {"hour": 1, "minute": 45}
